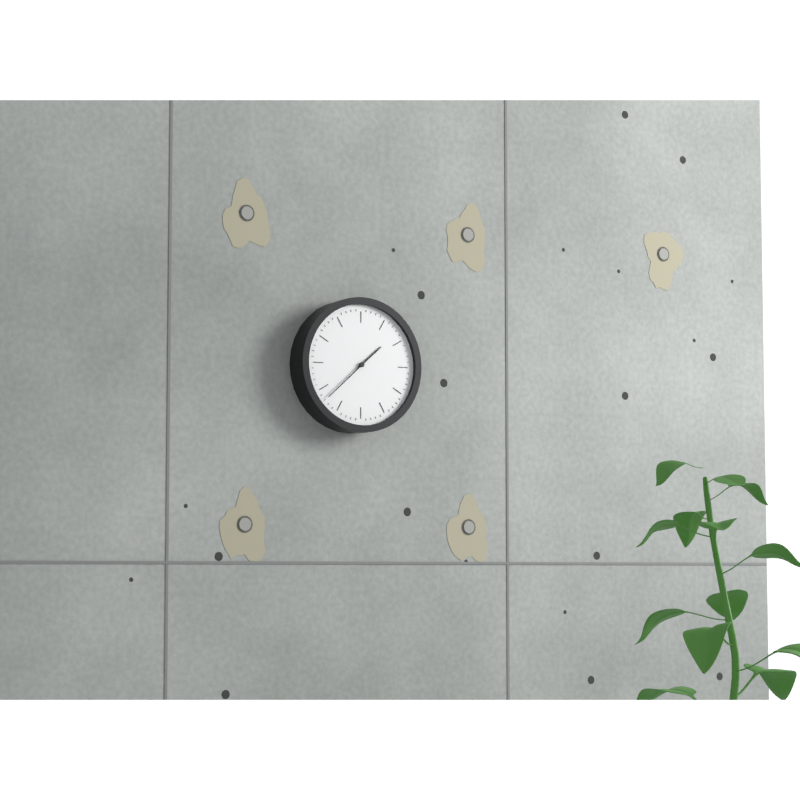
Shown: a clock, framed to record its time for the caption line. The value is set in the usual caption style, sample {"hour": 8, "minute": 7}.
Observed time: {"hour": 1, "minute": 38}
